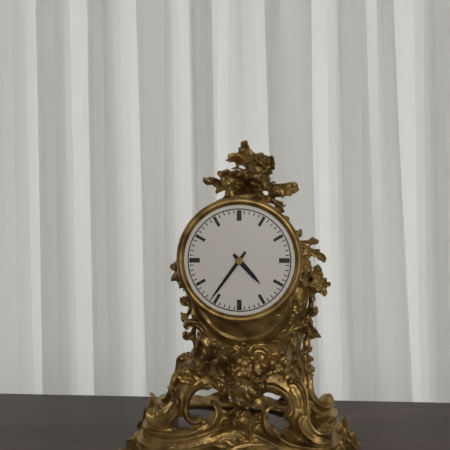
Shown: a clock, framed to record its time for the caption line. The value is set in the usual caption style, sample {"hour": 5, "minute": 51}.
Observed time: {"hour": 4, "minute": 36}
